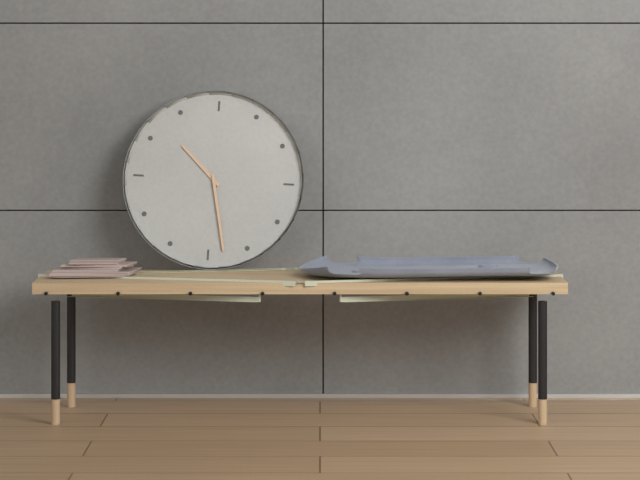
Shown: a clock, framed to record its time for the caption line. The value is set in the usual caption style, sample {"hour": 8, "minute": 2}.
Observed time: {"hour": 10, "minute": 28}
